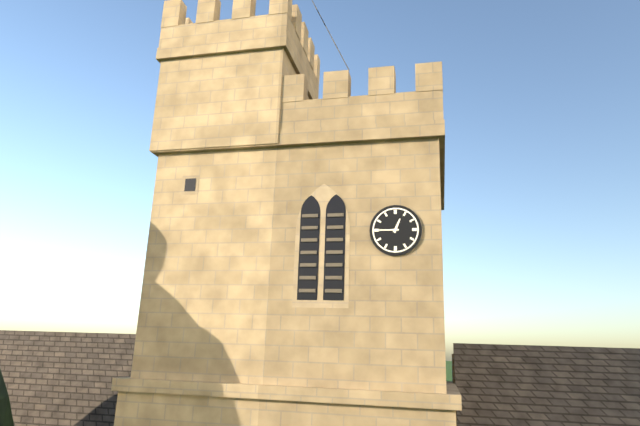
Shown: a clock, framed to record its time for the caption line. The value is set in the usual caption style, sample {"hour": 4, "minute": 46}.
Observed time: {"hour": 12, "minute": 45}
